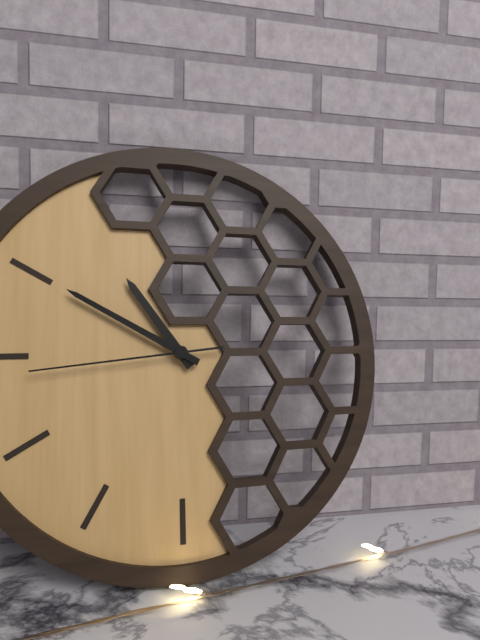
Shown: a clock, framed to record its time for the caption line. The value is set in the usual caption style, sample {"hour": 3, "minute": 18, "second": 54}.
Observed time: {"hour": 10, "minute": 50, "second": 44}
